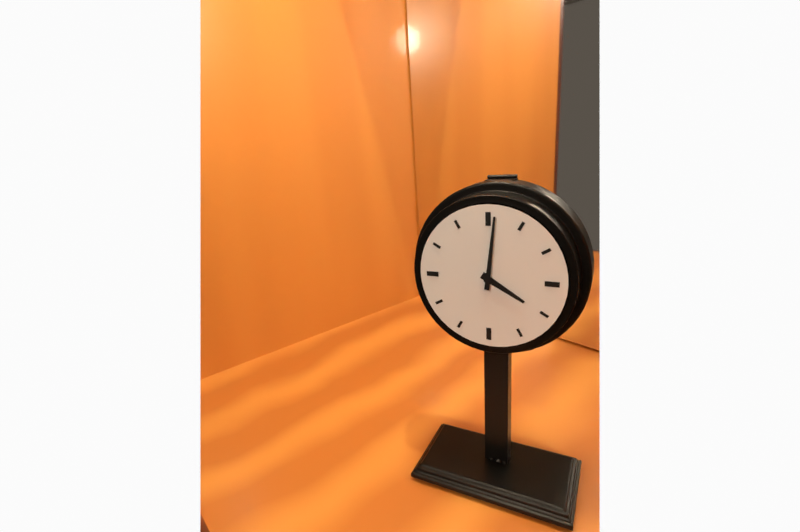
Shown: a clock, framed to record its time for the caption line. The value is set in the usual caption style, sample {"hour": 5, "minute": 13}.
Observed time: {"hour": 4, "minute": 1}
